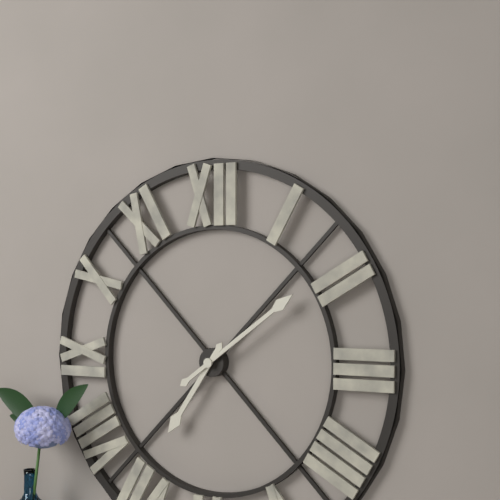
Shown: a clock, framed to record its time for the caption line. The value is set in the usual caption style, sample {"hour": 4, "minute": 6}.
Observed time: {"hour": 7, "minute": 9}
